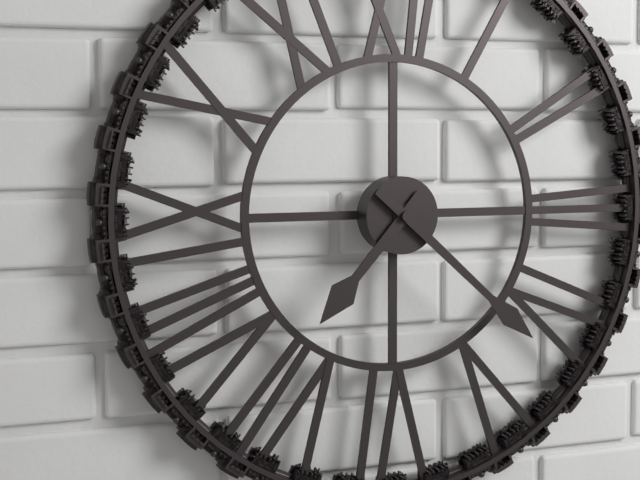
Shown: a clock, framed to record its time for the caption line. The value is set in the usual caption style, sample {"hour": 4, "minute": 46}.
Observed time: {"hour": 7, "minute": 22}
